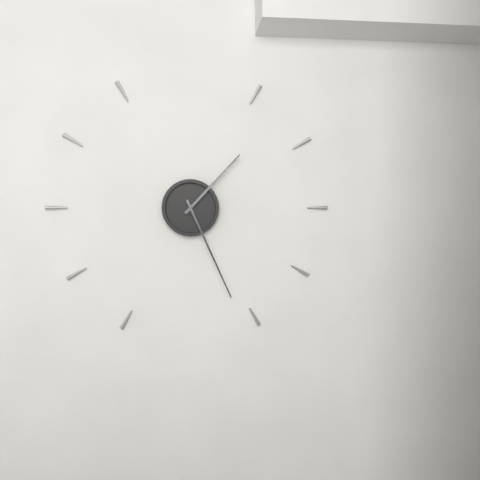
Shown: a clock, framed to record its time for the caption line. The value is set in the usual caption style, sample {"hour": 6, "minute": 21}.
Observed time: {"hour": 1, "minute": 26}
